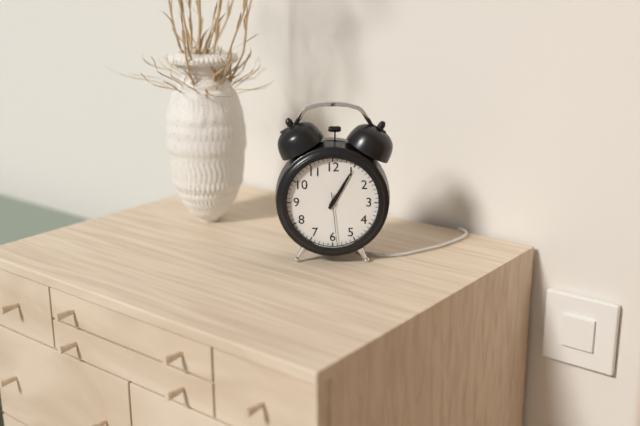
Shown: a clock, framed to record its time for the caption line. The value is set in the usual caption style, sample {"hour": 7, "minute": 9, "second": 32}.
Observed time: {"hour": 1, "minute": 5, "second": 29}
